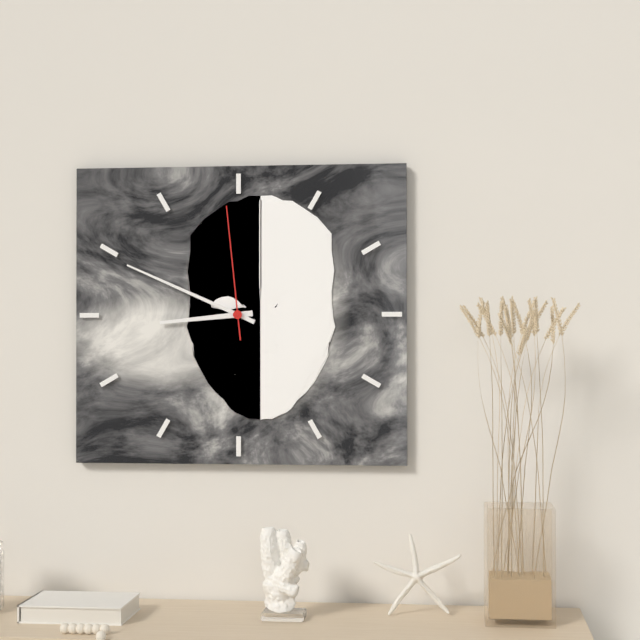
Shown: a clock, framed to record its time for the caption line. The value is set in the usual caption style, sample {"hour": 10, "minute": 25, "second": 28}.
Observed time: {"hour": 8, "minute": 49, "second": 59}
